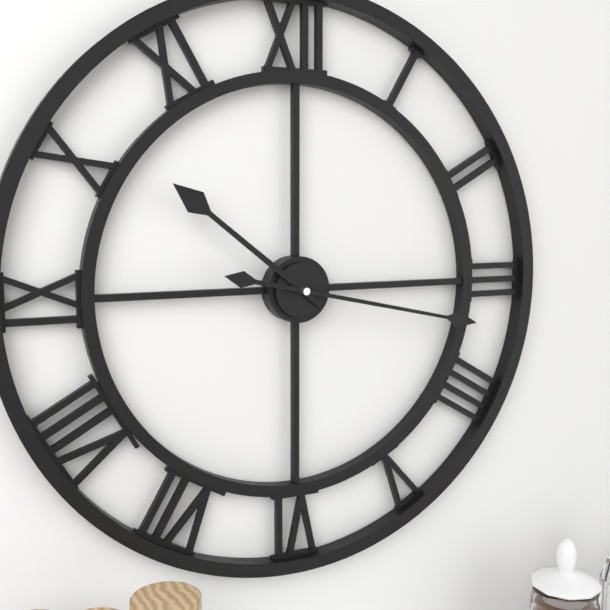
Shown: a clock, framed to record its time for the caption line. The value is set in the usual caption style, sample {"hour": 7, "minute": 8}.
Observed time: {"hour": 10, "minute": 17}
